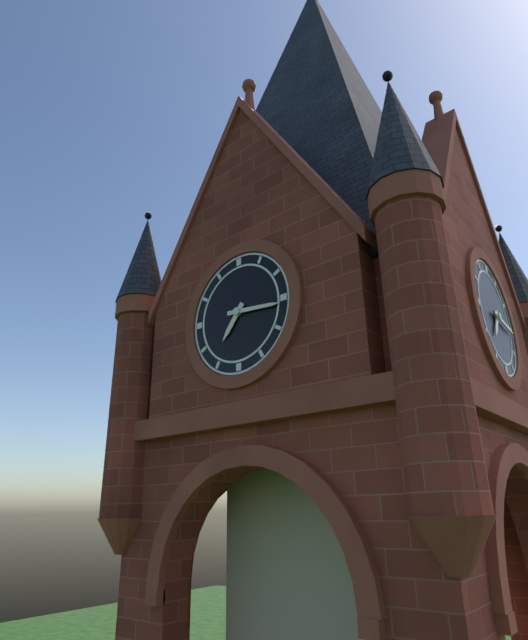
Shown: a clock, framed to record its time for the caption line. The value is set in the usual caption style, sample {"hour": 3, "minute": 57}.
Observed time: {"hour": 7, "minute": 16}
